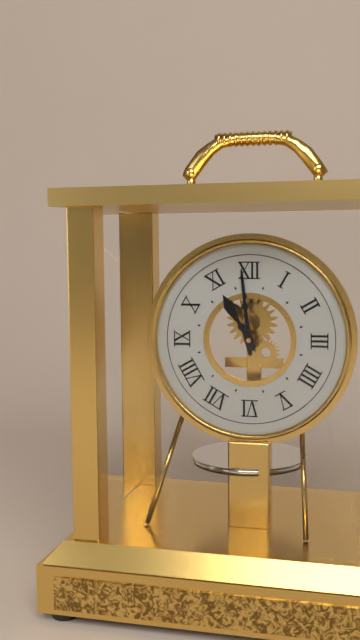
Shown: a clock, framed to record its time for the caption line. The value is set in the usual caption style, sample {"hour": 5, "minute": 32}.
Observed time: {"hour": 10, "minute": 59}
